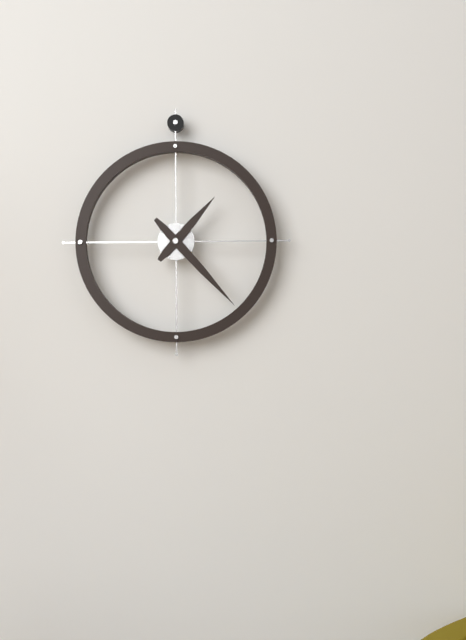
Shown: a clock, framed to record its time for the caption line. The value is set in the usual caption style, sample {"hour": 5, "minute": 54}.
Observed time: {"hour": 1, "minute": 23}
